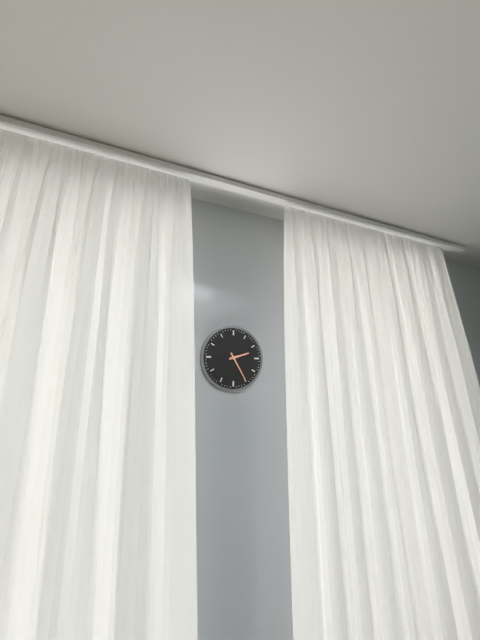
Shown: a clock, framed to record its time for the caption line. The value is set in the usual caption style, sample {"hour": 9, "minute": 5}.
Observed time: {"hour": 2, "minute": 25}
